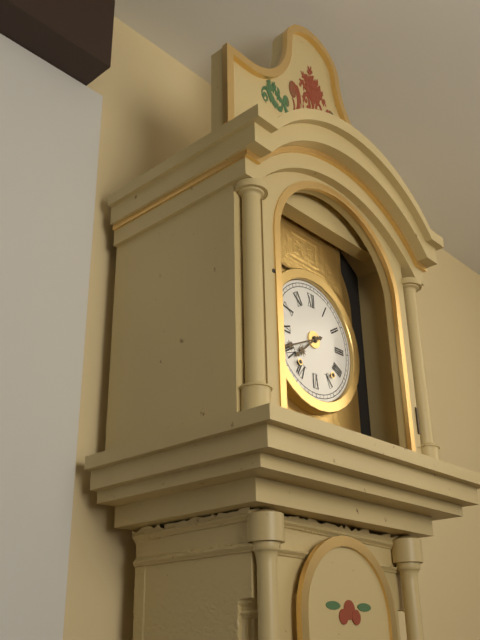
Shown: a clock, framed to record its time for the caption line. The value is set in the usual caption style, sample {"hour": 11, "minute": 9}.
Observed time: {"hour": 7, "minute": 41}
